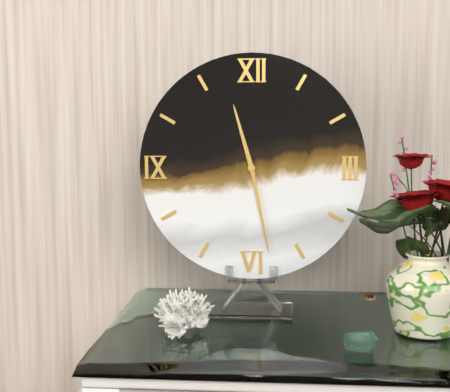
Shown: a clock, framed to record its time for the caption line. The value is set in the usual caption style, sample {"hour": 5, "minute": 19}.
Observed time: {"hour": 11, "minute": 28}
